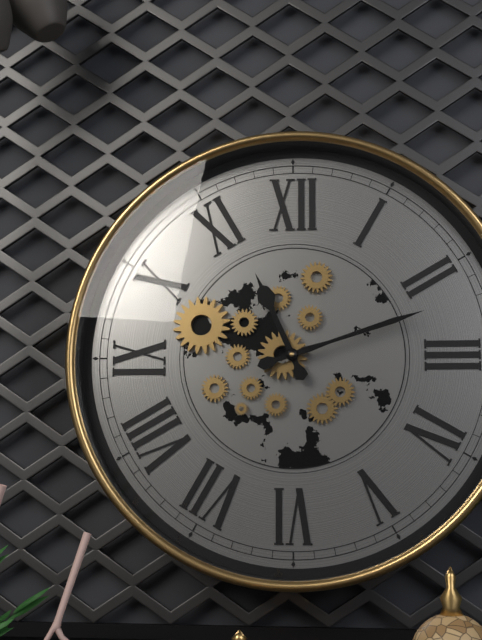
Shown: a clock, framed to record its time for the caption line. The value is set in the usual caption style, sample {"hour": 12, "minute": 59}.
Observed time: {"hour": 11, "minute": 12}
